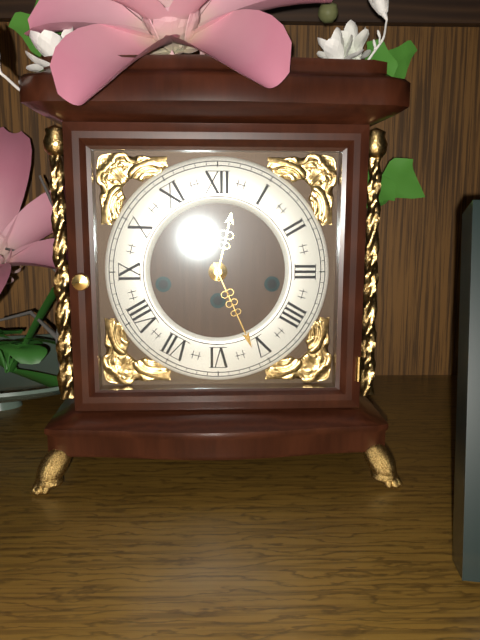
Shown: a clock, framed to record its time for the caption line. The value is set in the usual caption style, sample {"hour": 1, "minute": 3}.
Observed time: {"hour": 12, "minute": 26}
